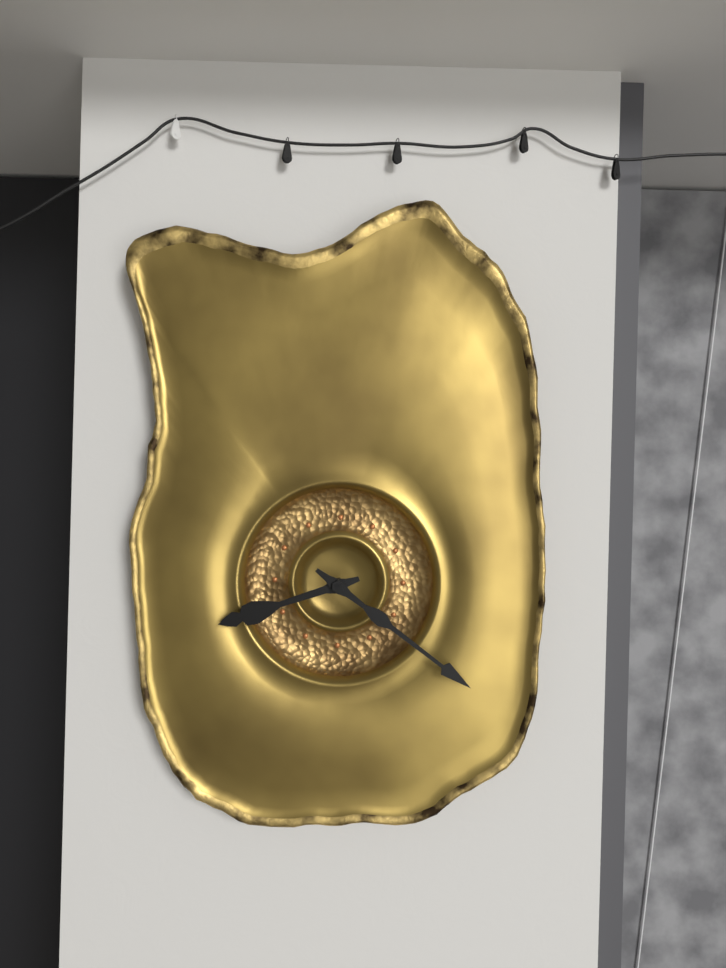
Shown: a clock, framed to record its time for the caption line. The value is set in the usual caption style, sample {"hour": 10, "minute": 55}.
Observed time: {"hour": 8, "minute": 21}
